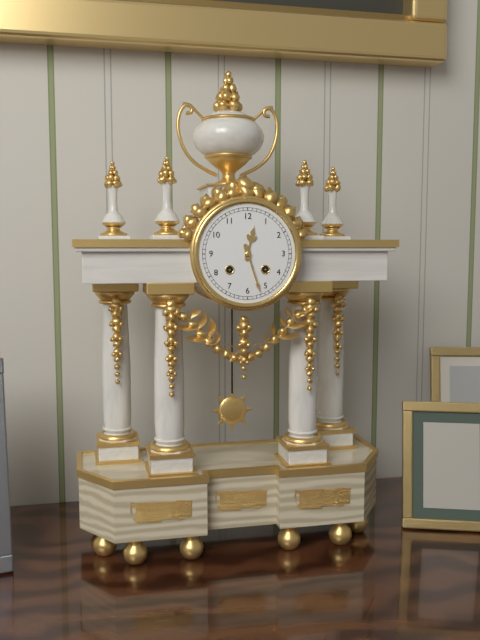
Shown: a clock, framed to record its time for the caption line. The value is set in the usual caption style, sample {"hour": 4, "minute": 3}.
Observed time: {"hour": 12, "minute": 27}
